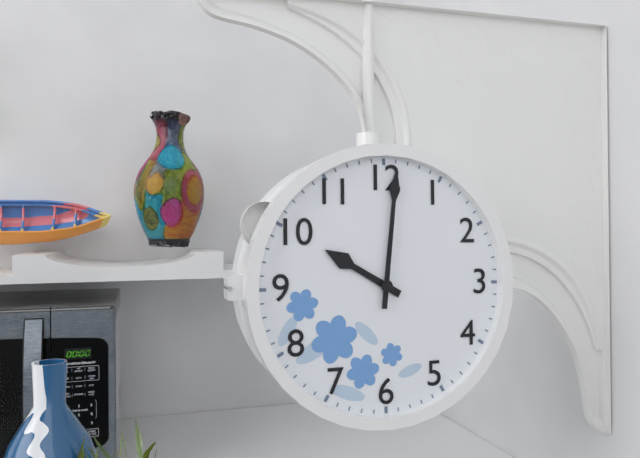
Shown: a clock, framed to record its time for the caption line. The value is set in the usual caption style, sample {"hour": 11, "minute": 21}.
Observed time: {"hour": 10, "minute": 1}
